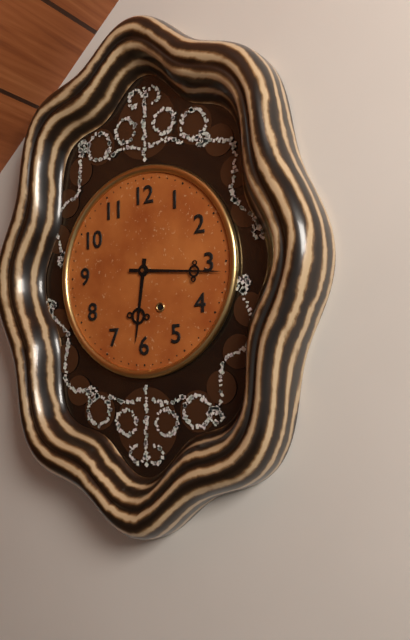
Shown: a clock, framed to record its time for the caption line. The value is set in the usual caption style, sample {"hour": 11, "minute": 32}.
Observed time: {"hour": 6, "minute": 16}
